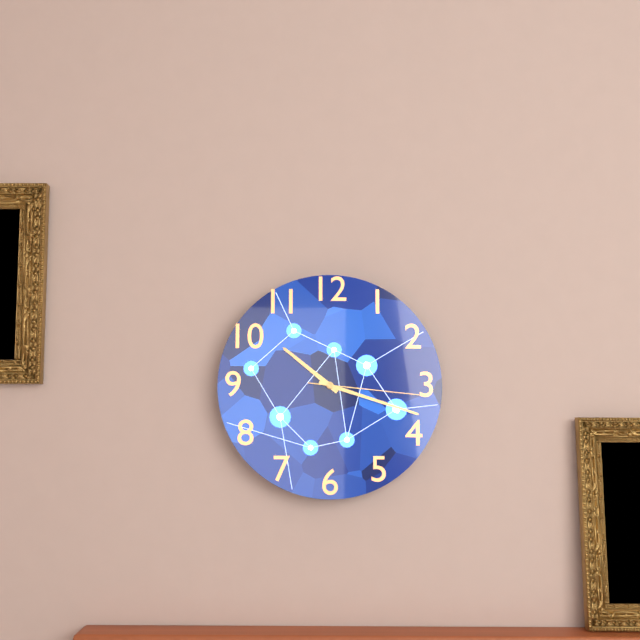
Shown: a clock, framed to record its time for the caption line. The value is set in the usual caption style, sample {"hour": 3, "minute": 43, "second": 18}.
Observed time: {"hour": 10, "minute": 18, "second": 16}
